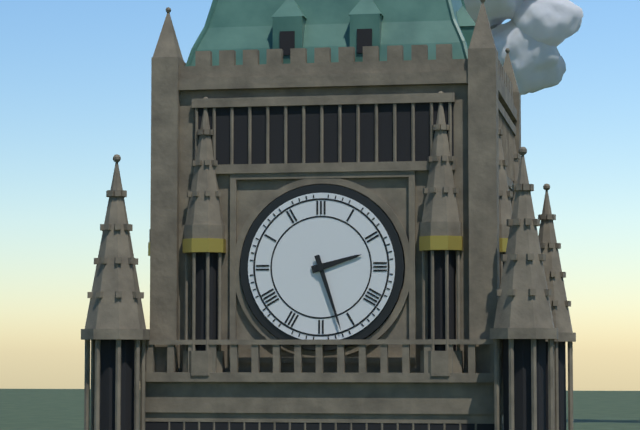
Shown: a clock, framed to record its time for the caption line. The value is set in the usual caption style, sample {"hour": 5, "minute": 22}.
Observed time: {"hour": 2, "minute": 27}
